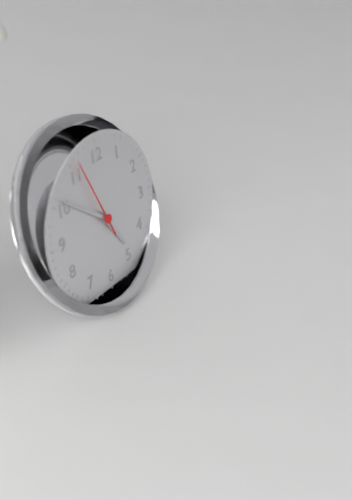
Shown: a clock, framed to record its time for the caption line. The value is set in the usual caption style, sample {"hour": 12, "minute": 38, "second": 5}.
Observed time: {"hour": 4, "minute": 51, "second": 56}
